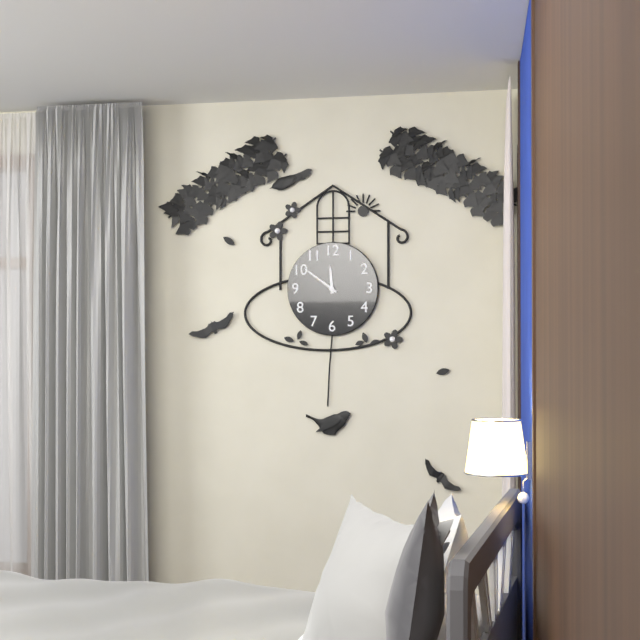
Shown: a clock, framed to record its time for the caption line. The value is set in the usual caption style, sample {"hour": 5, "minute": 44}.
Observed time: {"hour": 11, "minute": 51}
